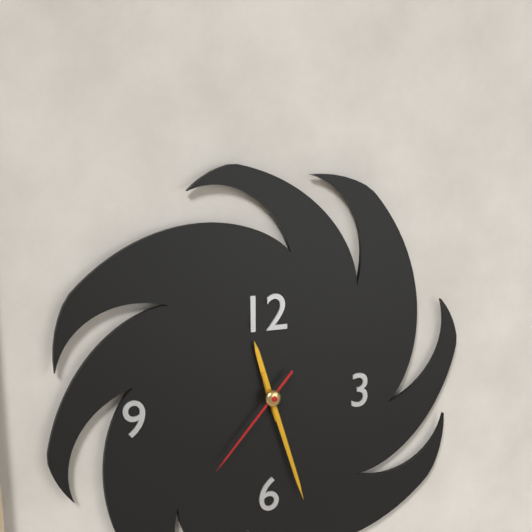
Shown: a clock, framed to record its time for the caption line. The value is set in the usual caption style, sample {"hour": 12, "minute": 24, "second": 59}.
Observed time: {"hour": 11, "minute": 27, "second": 37}
